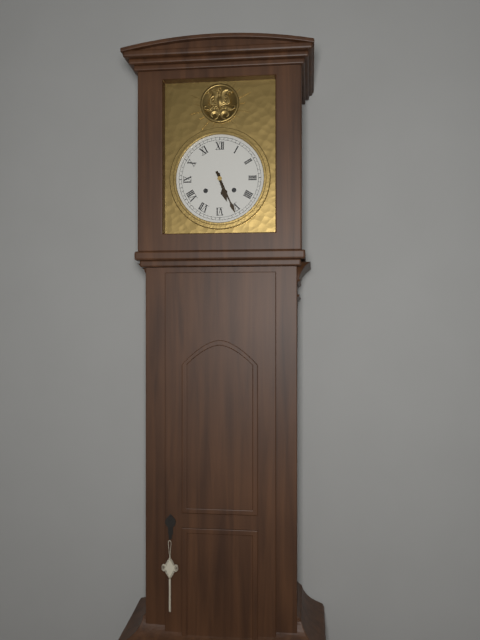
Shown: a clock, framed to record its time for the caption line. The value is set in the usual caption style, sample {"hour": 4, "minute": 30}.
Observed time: {"hour": 5, "minute": 26}
